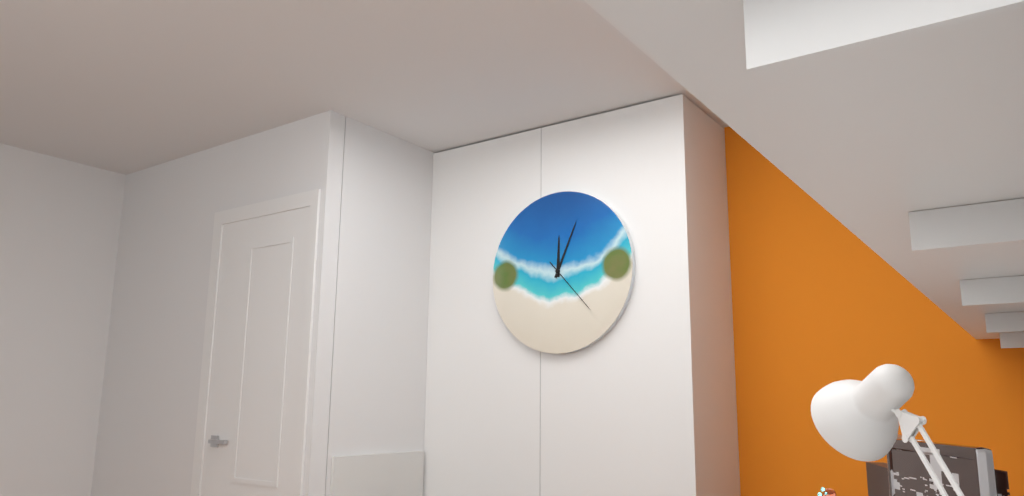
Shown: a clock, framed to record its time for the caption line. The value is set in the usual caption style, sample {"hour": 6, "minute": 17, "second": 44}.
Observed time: {"hour": 12, "minute": 4, "second": 23}
